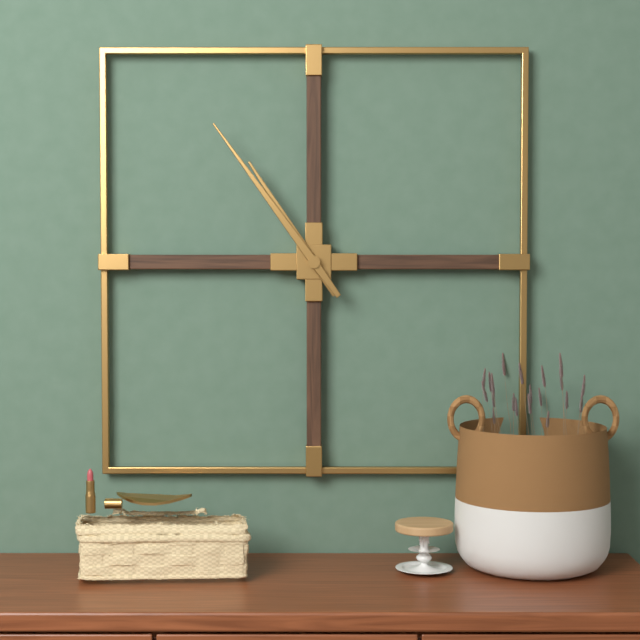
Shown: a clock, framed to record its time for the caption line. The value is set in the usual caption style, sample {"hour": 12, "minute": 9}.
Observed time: {"hour": 10, "minute": 54}
